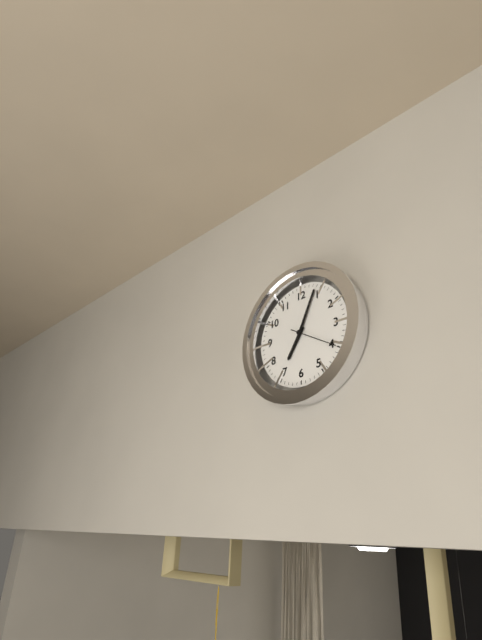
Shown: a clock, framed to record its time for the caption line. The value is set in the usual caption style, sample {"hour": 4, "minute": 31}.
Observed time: {"hour": 7, "minute": 4}
